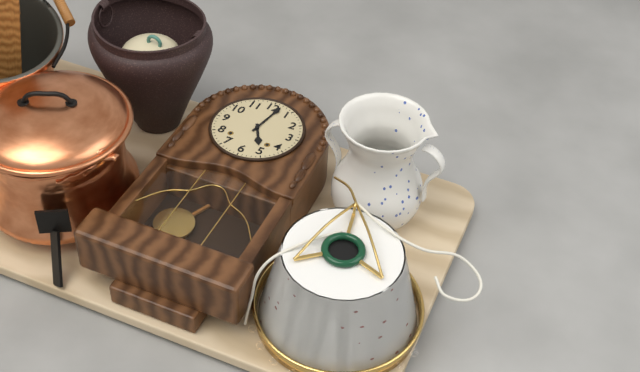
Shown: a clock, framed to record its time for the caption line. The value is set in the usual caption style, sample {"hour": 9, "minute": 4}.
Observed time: {"hour": 5, "minute": 2}
